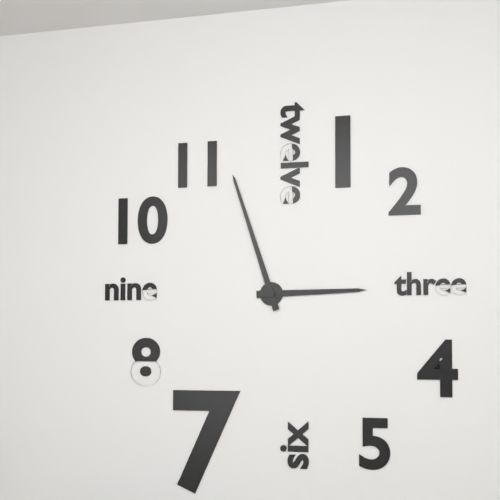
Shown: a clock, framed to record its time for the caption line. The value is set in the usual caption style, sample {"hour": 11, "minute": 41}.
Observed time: {"hour": 2, "minute": 57}
